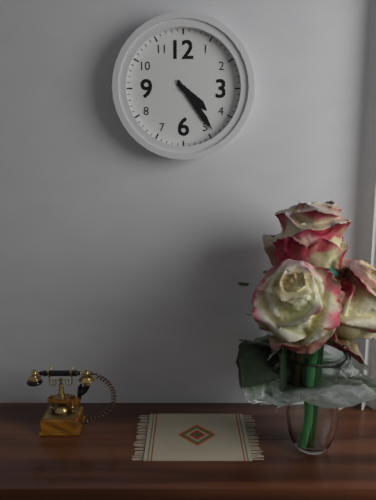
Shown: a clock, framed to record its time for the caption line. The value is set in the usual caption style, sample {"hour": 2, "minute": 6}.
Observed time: {"hour": 4, "minute": 24}
